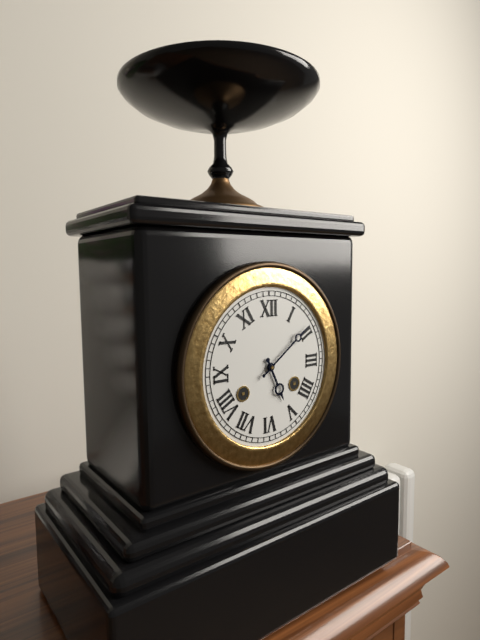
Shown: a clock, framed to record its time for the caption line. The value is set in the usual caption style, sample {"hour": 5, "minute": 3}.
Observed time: {"hour": 5, "minute": 9}
